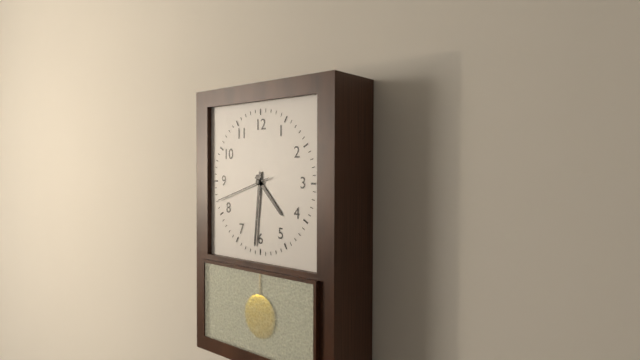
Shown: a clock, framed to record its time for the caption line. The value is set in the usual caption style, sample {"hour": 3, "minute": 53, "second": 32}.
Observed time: {"hour": 4, "minute": 31, "second": 42}
